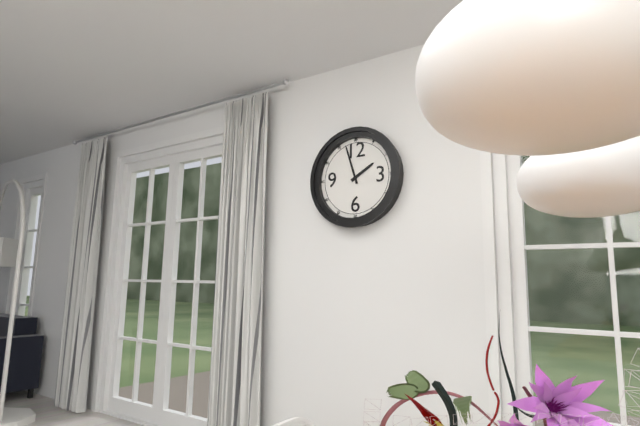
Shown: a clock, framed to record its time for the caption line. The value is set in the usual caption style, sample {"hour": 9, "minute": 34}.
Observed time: {"hour": 1, "minute": 57}
